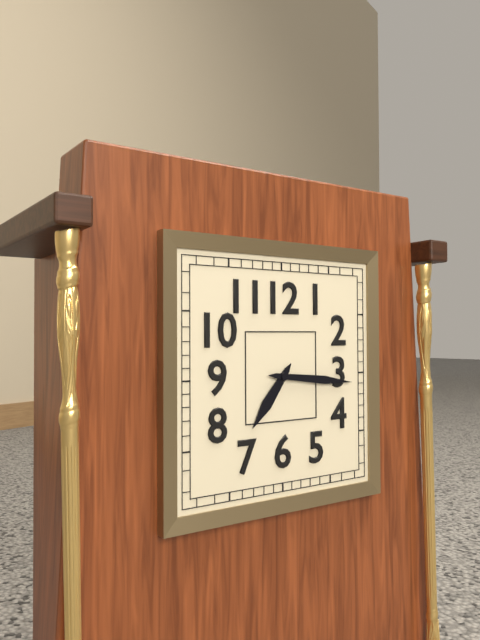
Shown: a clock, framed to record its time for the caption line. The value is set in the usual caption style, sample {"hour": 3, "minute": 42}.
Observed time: {"hour": 7, "minute": 16}
